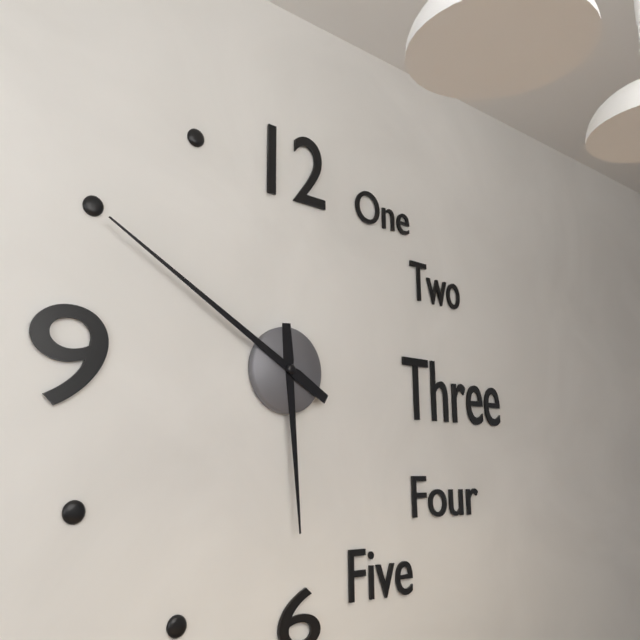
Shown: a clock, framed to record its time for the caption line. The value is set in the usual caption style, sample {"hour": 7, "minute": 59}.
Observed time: {"hour": 5, "minute": 50}
